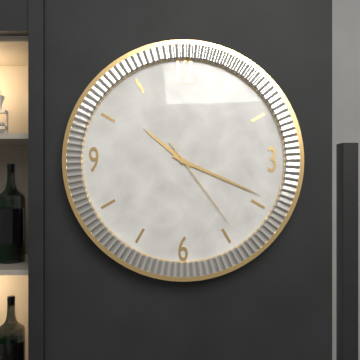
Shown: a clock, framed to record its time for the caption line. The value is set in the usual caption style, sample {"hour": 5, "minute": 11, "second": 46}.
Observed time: {"hour": 10, "minute": 19, "second": 24}
